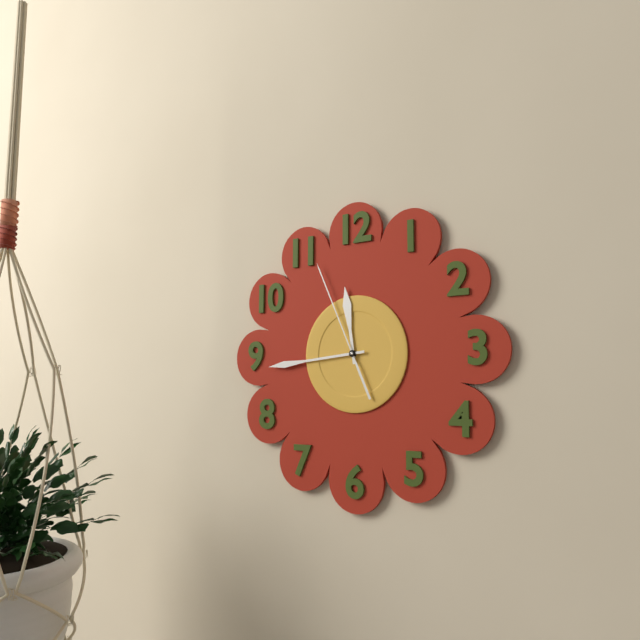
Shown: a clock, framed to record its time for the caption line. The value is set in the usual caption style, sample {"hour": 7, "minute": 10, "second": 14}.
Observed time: {"hour": 11, "minute": 44, "second": 56}
